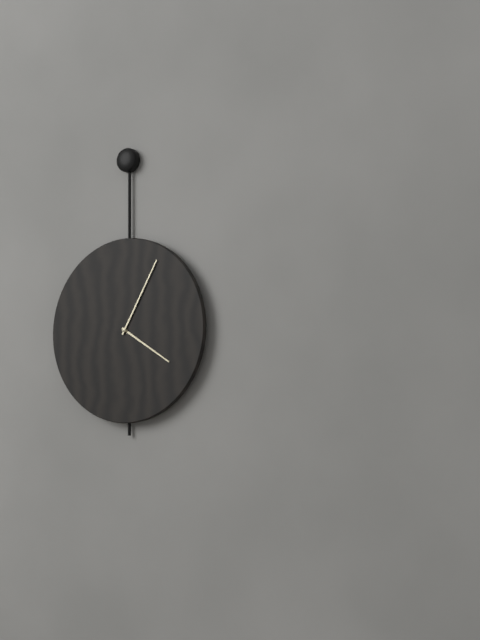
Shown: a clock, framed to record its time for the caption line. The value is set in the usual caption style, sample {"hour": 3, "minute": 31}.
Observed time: {"hour": 4, "minute": 5}
